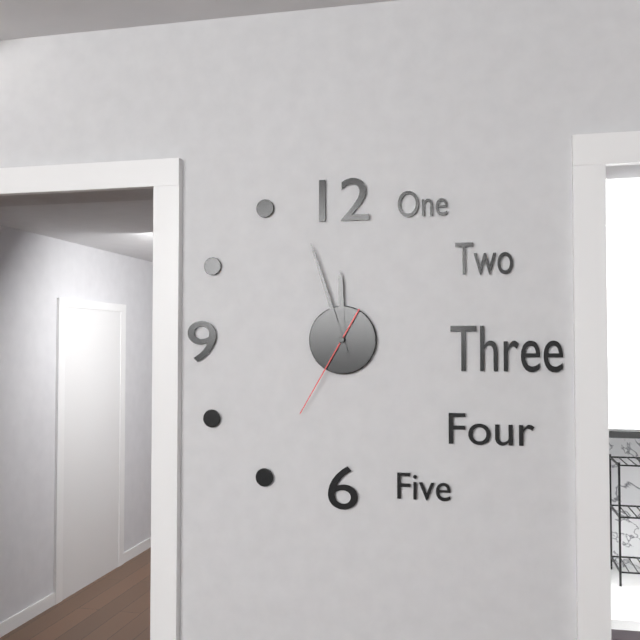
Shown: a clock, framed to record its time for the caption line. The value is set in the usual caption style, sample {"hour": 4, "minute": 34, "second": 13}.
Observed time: {"hour": 11, "minute": 57, "second": 35}
